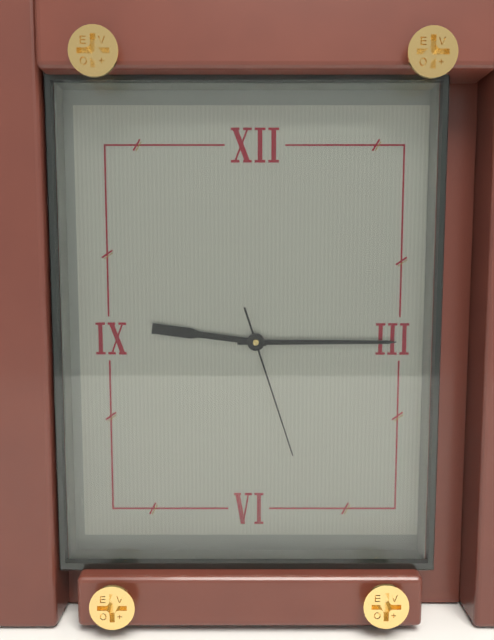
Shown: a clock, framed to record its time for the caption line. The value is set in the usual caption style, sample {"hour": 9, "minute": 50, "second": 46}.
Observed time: {"hour": 9, "minute": 15, "second": 27}
